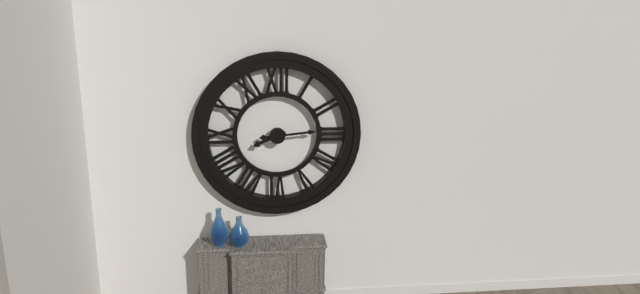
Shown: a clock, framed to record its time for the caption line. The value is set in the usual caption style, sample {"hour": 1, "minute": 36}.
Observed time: {"hour": 8, "minute": 14}
